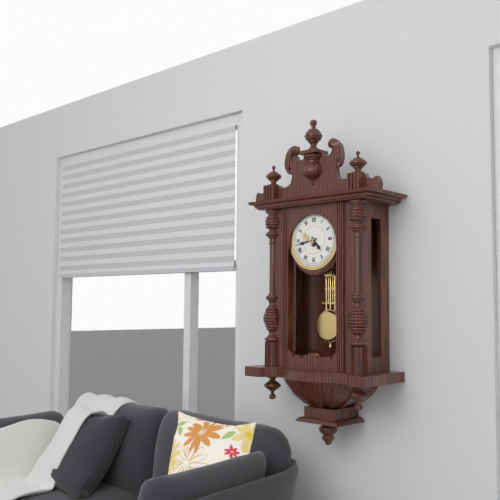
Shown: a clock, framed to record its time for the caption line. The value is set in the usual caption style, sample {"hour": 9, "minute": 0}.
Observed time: {"hour": 4, "minute": 43}
